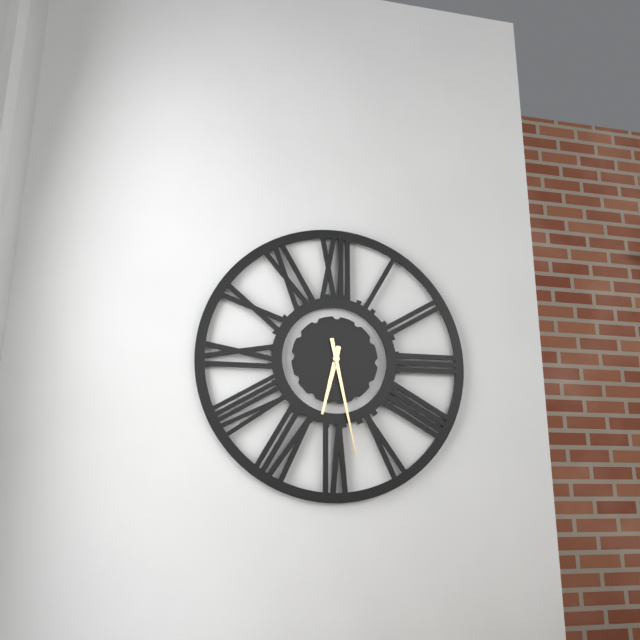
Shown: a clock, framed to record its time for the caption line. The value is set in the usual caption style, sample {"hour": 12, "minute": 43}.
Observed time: {"hour": 6, "minute": 28}
